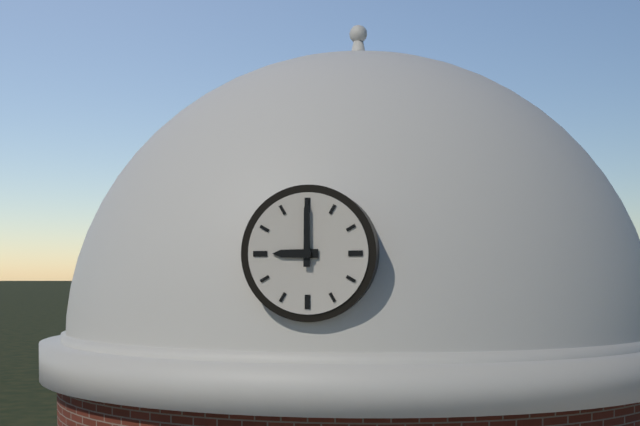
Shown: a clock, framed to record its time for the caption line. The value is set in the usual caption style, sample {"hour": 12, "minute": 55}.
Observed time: {"hour": 9, "minute": 0}
